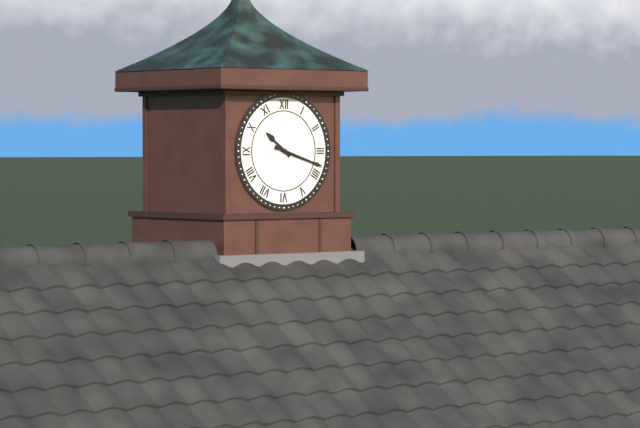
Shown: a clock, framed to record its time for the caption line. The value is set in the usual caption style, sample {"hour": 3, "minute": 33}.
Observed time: {"hour": 10, "minute": 18}
